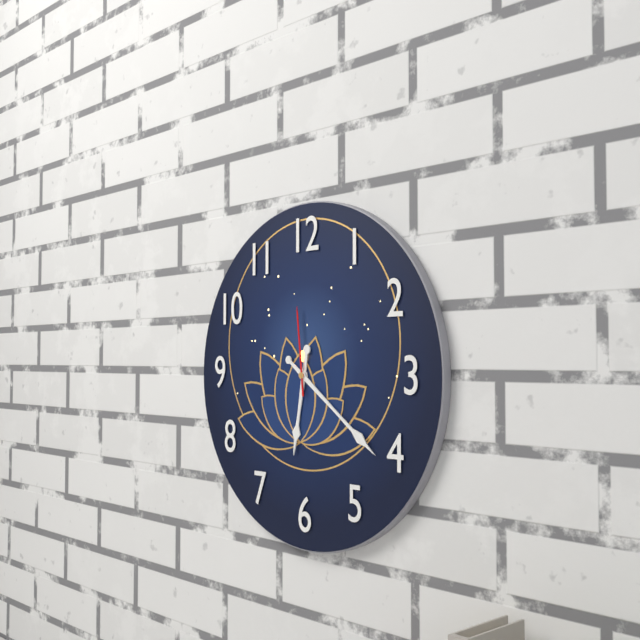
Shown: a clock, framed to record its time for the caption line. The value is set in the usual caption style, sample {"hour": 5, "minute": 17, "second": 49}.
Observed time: {"hour": 6, "minute": 21, "second": 59}
